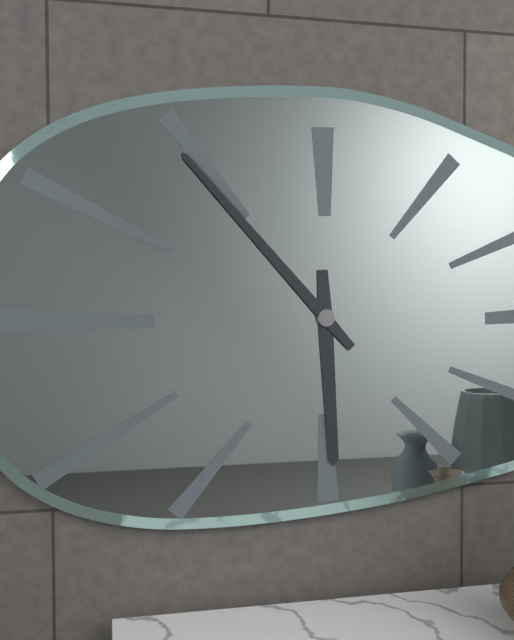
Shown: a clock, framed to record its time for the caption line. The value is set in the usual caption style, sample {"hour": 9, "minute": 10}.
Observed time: {"hour": 5, "minute": 53}
